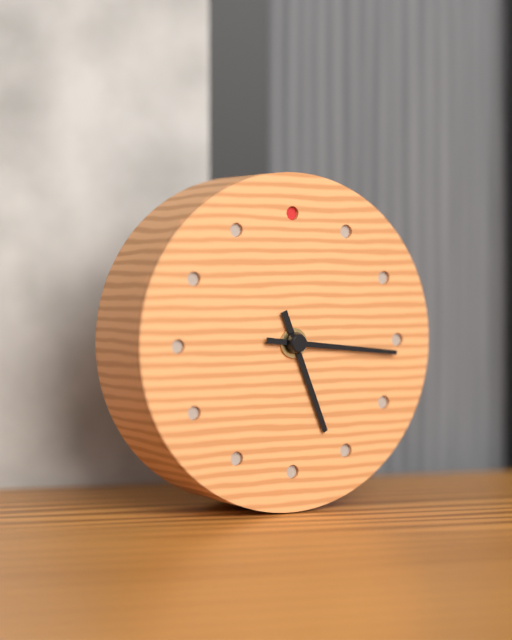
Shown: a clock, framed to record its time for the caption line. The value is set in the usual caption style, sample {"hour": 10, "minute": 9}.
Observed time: {"hour": 5, "minute": 16}
